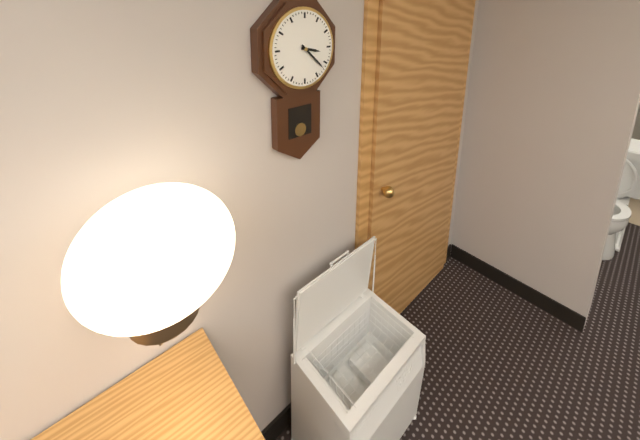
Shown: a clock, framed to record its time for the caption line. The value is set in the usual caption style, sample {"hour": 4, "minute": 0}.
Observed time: {"hour": 3, "minute": 22}
